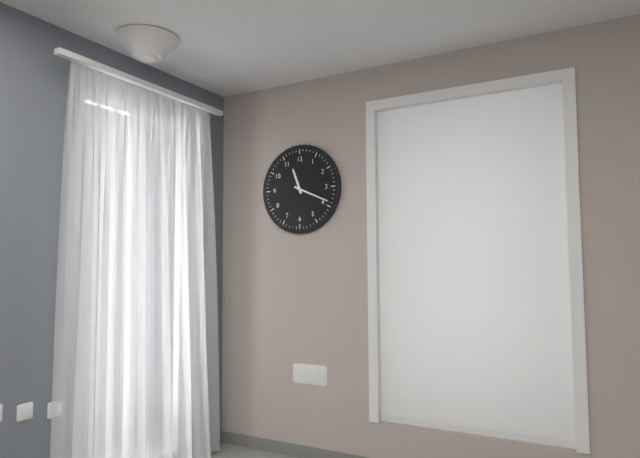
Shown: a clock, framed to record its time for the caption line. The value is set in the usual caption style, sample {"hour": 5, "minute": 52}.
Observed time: {"hour": 11, "minute": 19}
